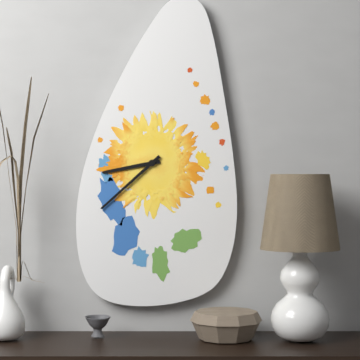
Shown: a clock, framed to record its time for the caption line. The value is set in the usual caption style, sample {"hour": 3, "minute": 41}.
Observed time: {"hour": 8, "minute": 38}
